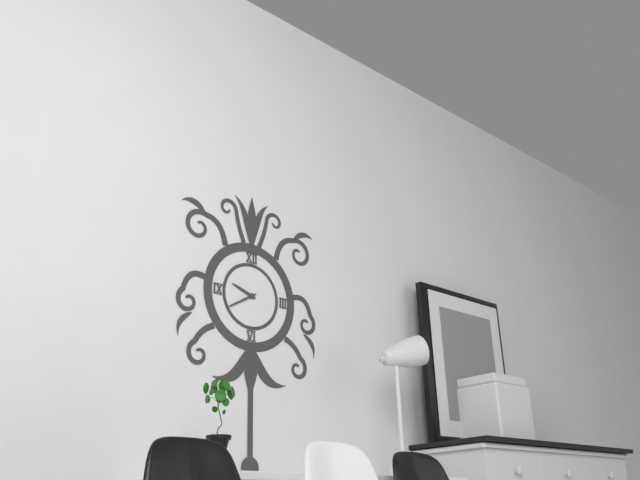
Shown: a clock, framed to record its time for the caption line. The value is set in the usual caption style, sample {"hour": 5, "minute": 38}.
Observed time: {"hour": 9, "minute": 40}
